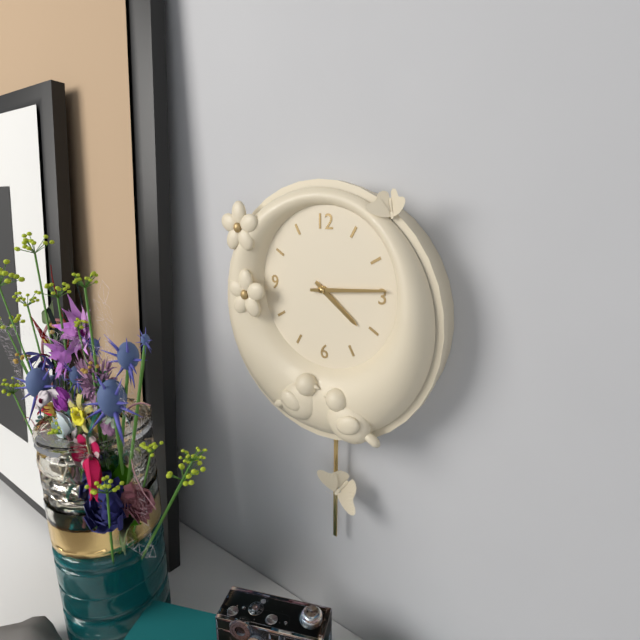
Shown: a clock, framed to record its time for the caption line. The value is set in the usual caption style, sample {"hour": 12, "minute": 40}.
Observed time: {"hour": 4, "minute": 14}
